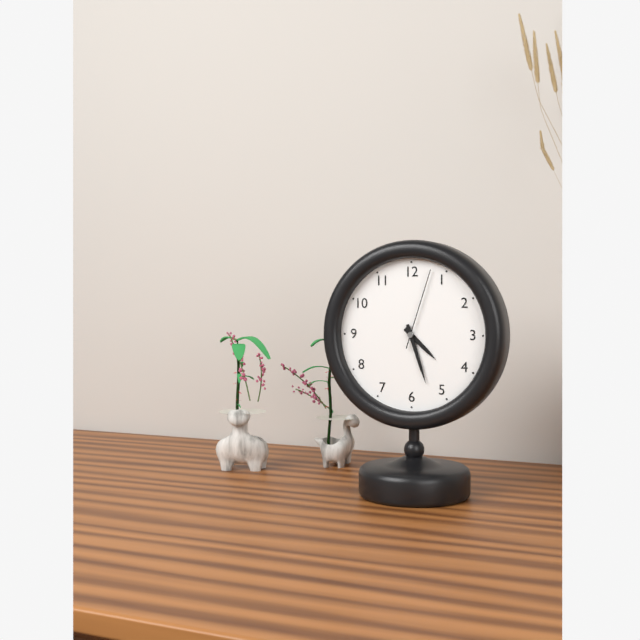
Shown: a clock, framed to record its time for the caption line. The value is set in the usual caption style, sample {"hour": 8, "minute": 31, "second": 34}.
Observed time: {"hour": 4, "minute": 27, "second": 3}
